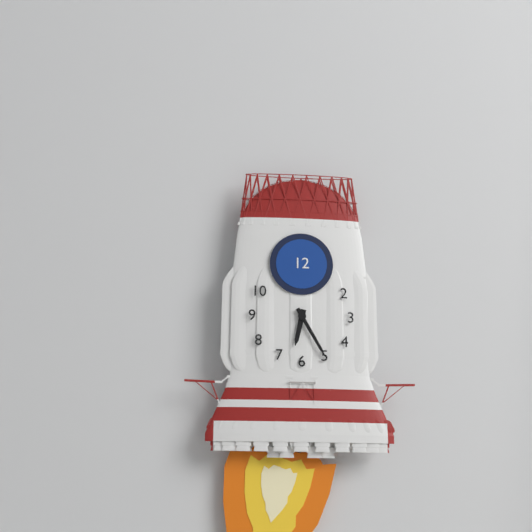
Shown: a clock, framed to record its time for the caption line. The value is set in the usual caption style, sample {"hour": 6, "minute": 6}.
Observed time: {"hour": 6, "minute": 25}
